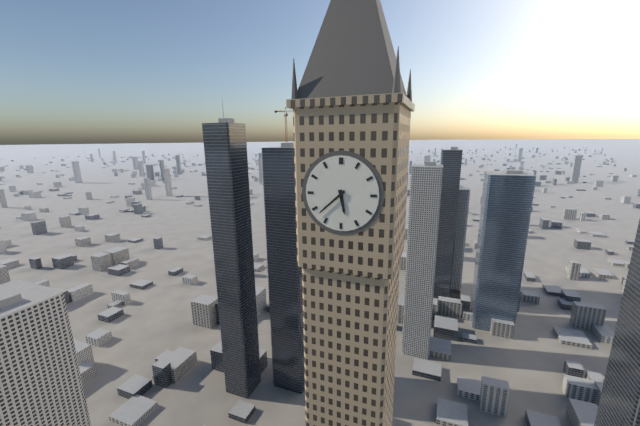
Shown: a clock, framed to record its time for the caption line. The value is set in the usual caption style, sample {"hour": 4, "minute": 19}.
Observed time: {"hour": 5, "minute": 38}
